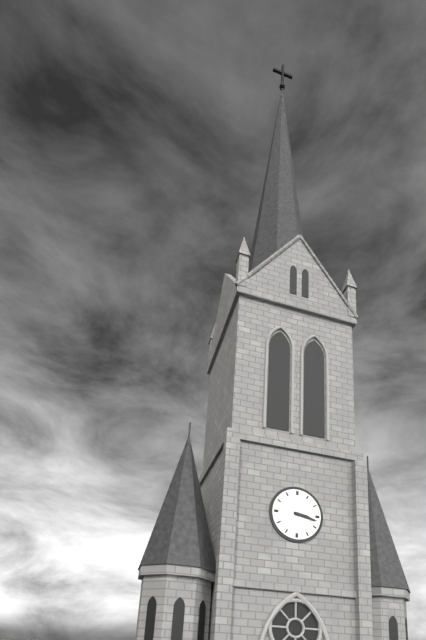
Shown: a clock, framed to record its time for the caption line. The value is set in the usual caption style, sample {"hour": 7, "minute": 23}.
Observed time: {"hour": 3, "minute": 17}
